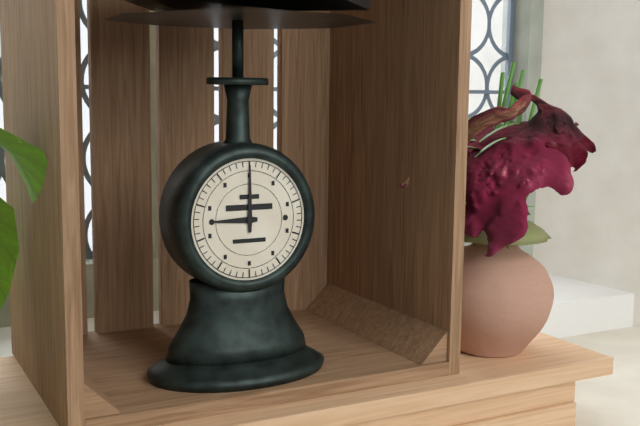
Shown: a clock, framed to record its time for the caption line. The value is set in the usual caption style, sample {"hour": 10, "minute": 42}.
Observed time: {"hour": 9, "minute": 0}
